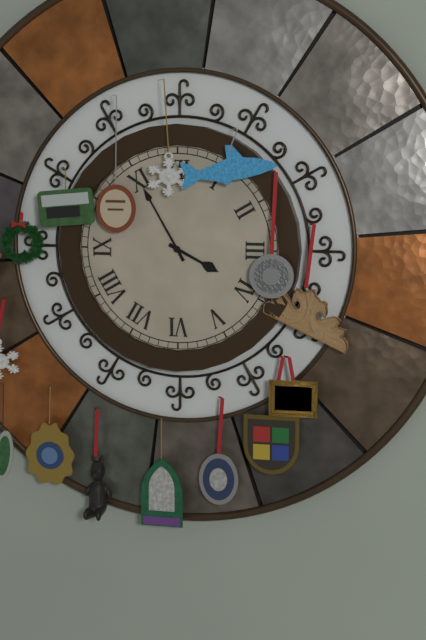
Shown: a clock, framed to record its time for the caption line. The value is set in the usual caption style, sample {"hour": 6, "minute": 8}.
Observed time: {"hour": 3, "minute": 55}
